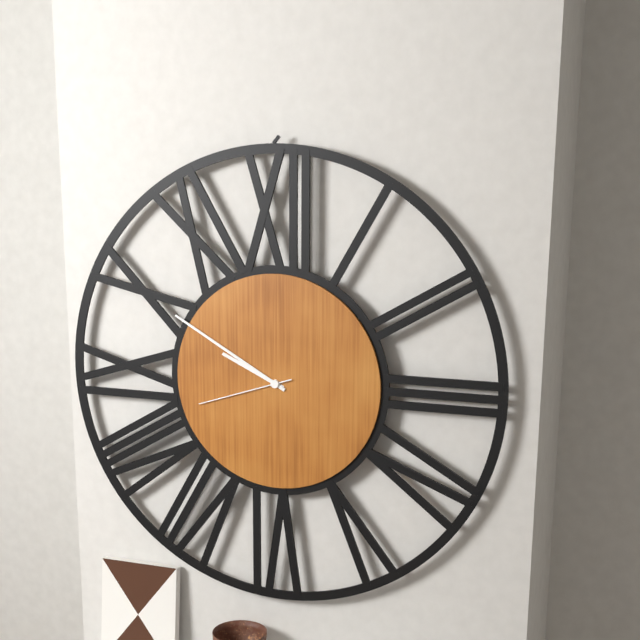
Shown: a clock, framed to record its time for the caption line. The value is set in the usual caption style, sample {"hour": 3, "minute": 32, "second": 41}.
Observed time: {"hour": 9, "minute": 50, "second": 42}
